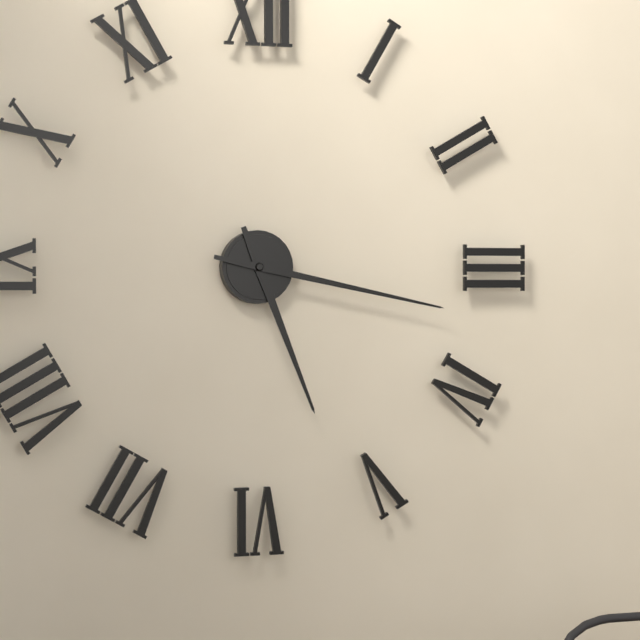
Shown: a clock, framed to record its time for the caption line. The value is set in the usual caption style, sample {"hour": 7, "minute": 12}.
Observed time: {"hour": 5, "minute": 17}
